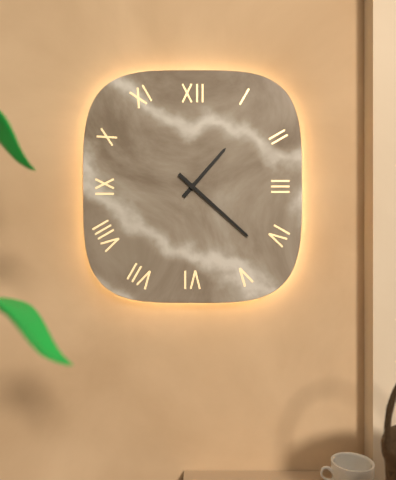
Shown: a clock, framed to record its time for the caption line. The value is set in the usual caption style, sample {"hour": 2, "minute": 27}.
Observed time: {"hour": 1, "minute": 22}
